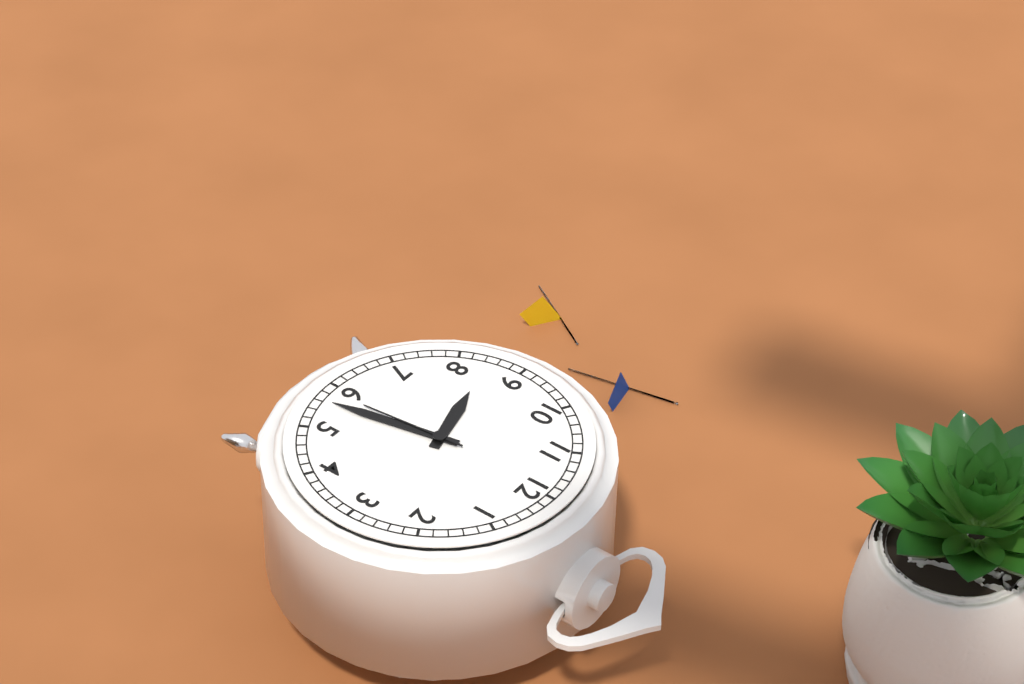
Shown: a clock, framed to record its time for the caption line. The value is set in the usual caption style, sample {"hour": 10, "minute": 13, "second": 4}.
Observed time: {"hour": 8, "minute": 28, "second": 29}
